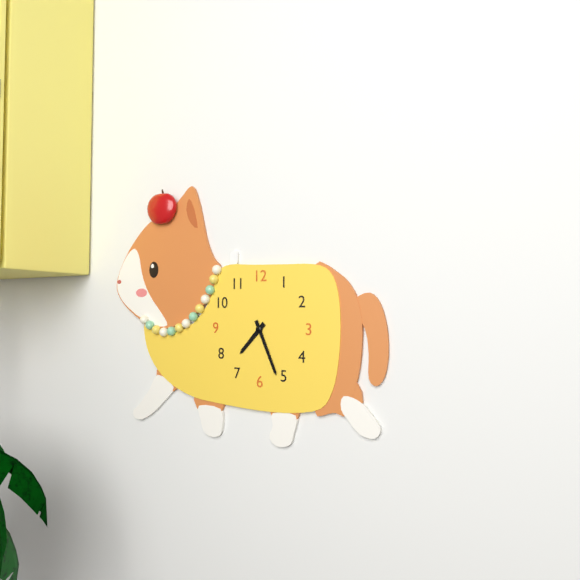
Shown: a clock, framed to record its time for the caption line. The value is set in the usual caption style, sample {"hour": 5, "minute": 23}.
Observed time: {"hour": 7, "minute": 26}
